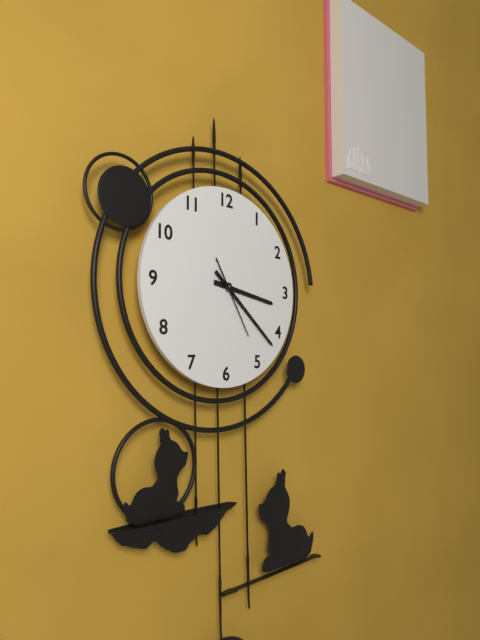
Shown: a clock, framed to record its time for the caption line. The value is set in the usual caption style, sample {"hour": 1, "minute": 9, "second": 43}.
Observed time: {"hour": 3, "minute": 22, "second": 25}
